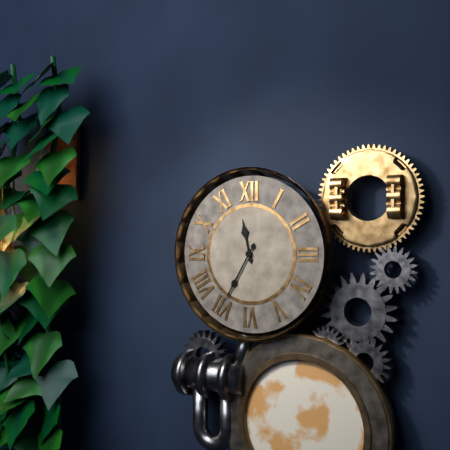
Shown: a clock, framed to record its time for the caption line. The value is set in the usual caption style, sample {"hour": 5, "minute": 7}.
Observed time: {"hour": 11, "minute": 35}
